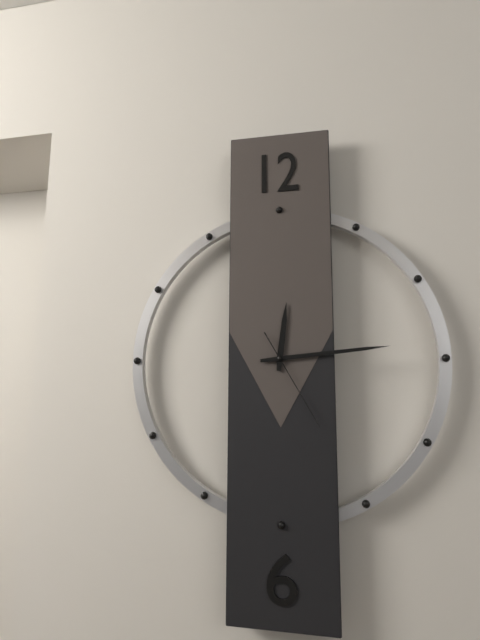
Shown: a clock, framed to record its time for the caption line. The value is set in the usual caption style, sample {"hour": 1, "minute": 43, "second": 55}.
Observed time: {"hour": 12, "minute": 14, "second": 25}
